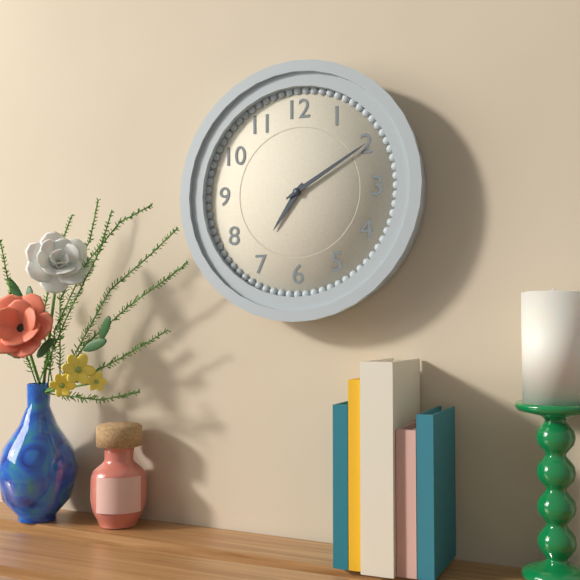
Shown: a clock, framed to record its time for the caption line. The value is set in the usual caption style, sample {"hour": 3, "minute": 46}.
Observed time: {"hour": 7, "minute": 10}
